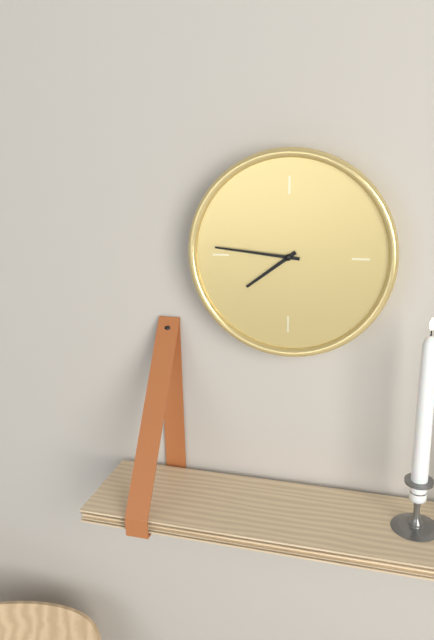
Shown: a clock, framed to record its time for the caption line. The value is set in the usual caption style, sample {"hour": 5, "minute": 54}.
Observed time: {"hour": 7, "minute": 46}
